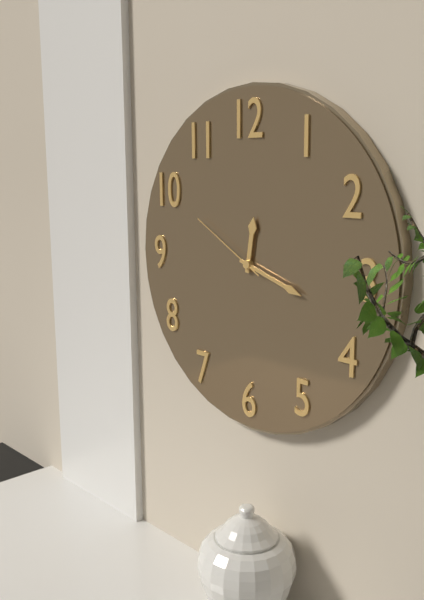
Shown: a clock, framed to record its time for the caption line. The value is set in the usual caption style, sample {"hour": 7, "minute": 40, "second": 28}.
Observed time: {"hour": 12, "minute": 18, "second": 50}
